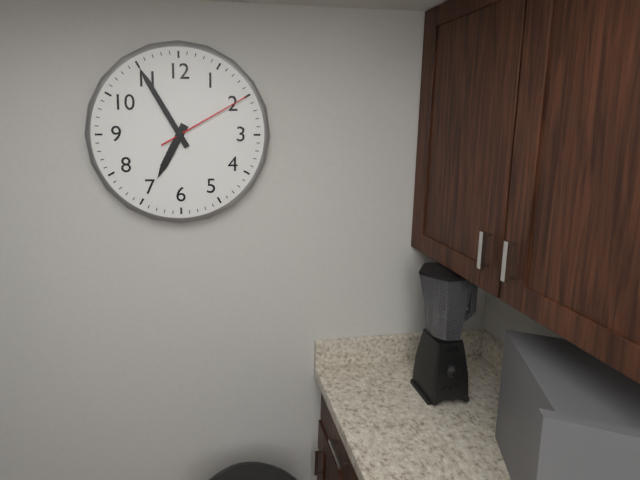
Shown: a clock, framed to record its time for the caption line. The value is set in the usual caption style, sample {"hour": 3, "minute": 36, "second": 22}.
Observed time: {"hour": 6, "minute": 55, "second": 10}
